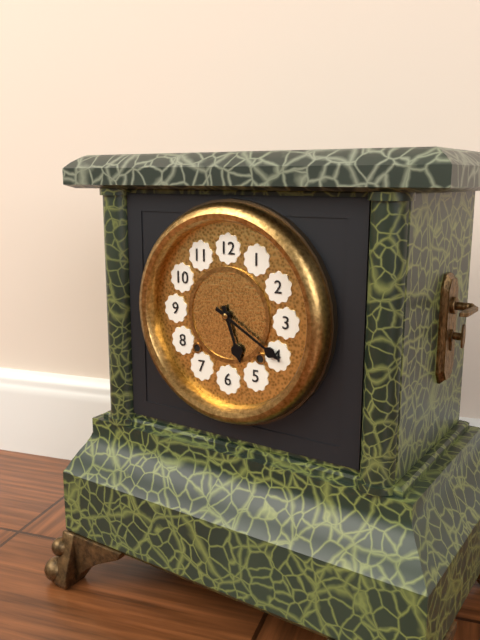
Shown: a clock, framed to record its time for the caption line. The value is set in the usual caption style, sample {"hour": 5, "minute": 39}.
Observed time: {"hour": 5, "minute": 20}
